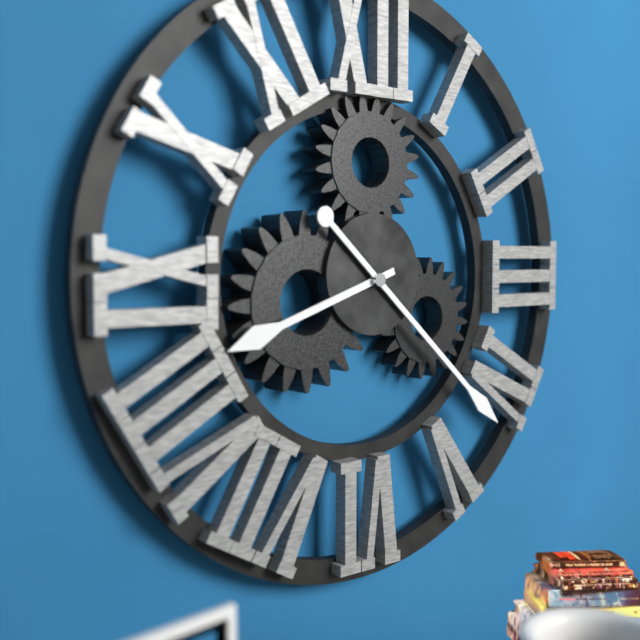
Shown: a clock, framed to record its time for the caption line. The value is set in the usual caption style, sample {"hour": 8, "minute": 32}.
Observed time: {"hour": 8, "minute": 22}
